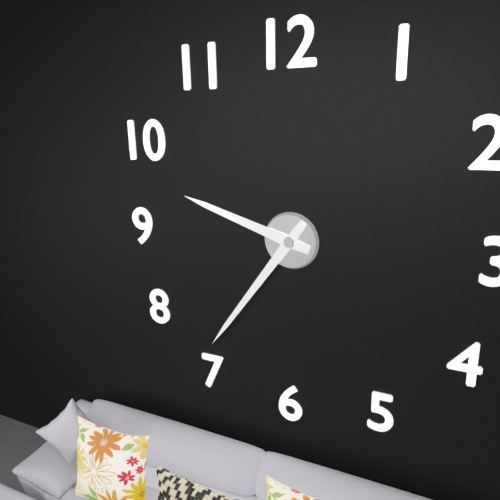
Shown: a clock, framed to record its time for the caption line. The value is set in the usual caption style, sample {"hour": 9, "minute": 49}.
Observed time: {"hour": 9, "minute": 36}
